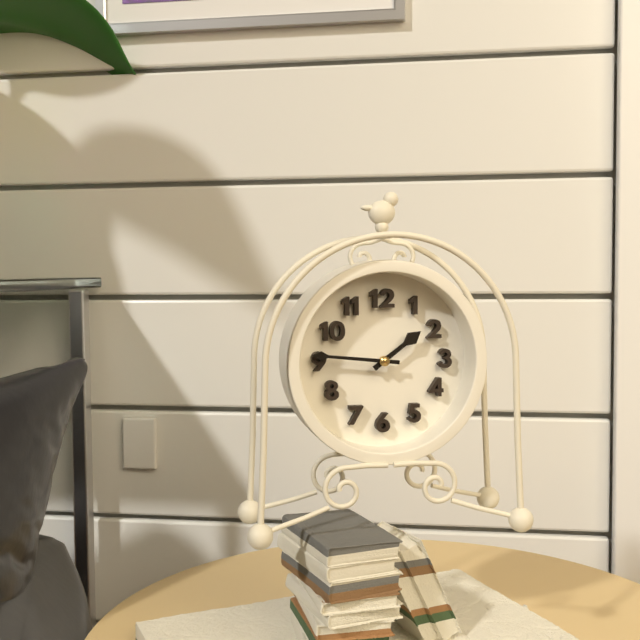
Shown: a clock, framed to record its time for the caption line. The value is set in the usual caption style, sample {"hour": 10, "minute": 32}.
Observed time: {"hour": 1, "minute": 46}
